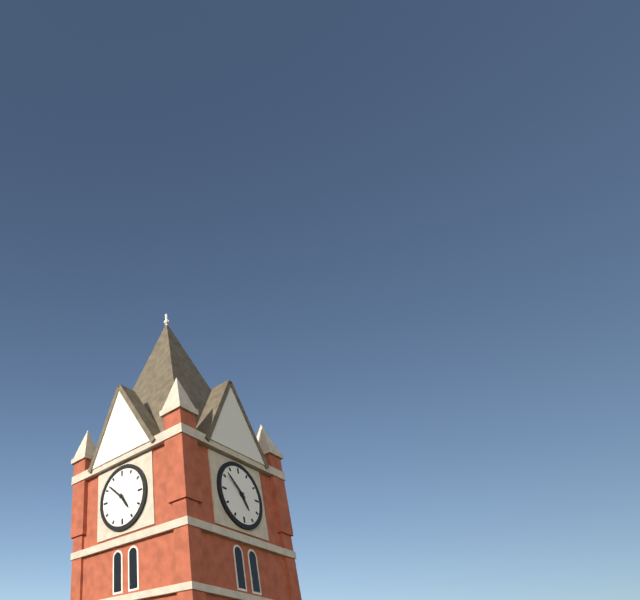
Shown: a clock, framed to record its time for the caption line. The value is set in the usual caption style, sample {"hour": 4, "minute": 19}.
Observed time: {"hour": 4, "minute": 52}
